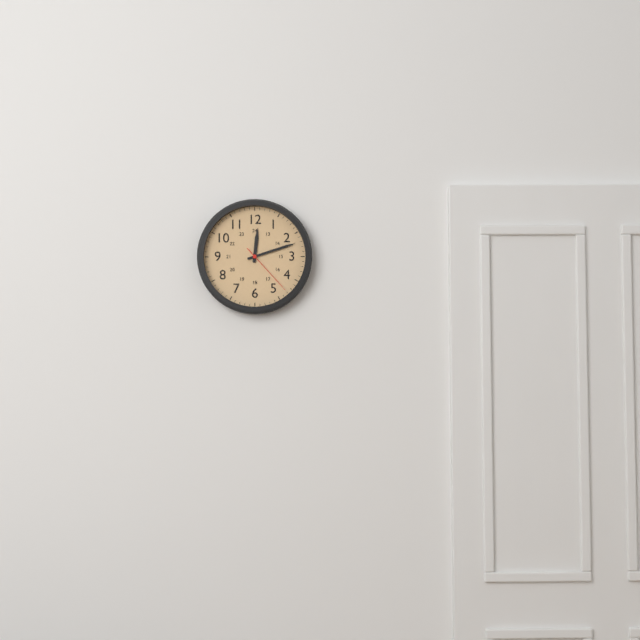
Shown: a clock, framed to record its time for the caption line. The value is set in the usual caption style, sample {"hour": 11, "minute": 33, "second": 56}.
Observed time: {"hour": 12, "minute": 12, "second": 23}
